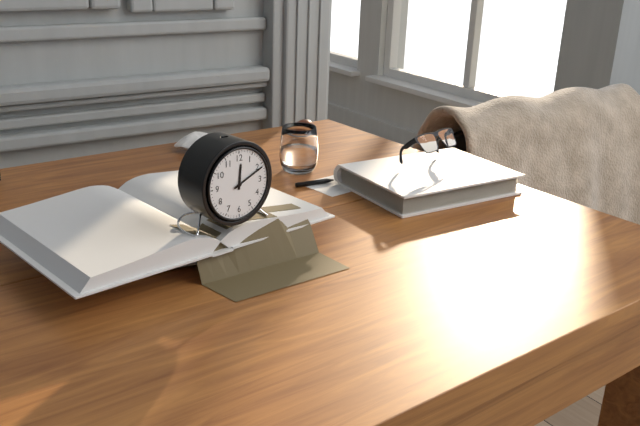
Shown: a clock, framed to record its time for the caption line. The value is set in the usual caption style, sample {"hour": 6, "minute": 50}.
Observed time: {"hour": 12, "minute": 11}
